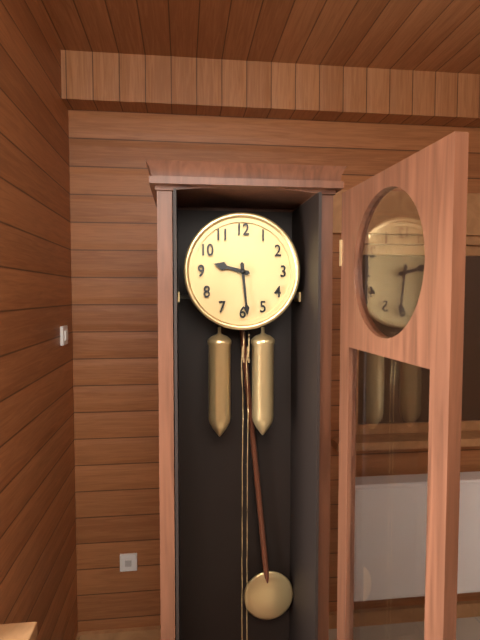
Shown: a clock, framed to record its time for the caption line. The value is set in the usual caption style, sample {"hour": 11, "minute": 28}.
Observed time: {"hour": 9, "minute": 29}
